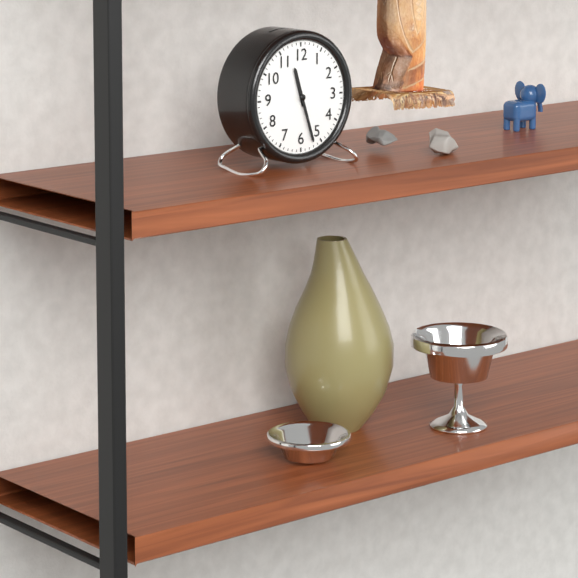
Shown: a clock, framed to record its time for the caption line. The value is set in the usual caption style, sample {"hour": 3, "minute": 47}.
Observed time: {"hour": 11, "minute": 27}
